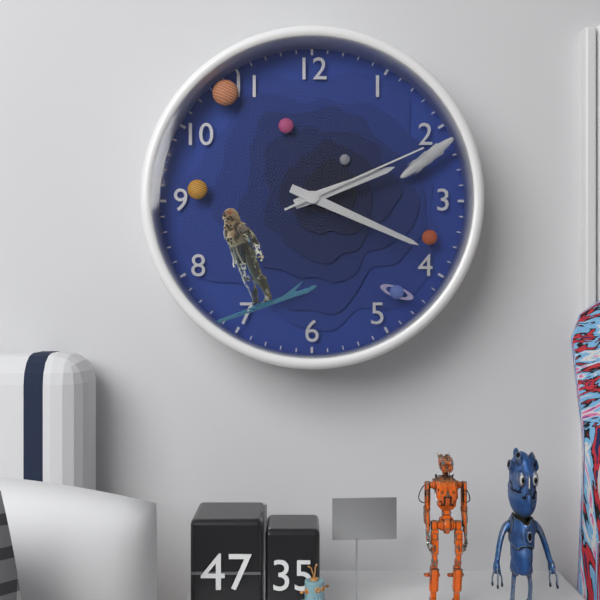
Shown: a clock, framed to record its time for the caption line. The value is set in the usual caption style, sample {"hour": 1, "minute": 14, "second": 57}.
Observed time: {"hour": 2, "minute": 19, "second": 11}
